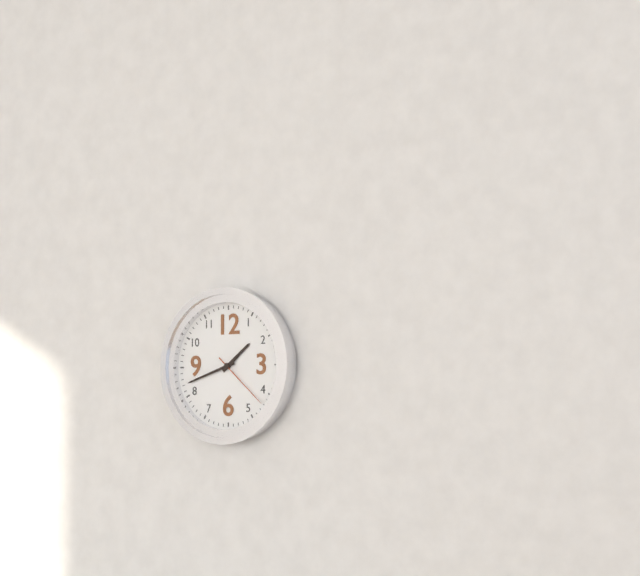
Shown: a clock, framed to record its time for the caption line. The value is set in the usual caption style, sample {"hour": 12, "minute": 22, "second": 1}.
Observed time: {"hour": 1, "minute": 42, "second": 22}
